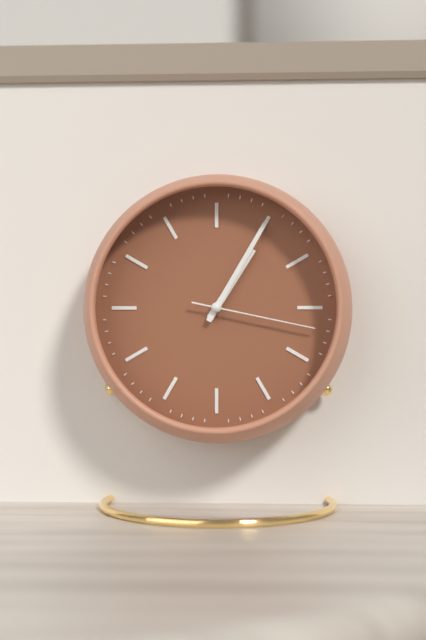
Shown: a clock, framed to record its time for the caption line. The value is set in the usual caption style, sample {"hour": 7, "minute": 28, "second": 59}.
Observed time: {"hour": 1, "minute": 5, "second": 17}
